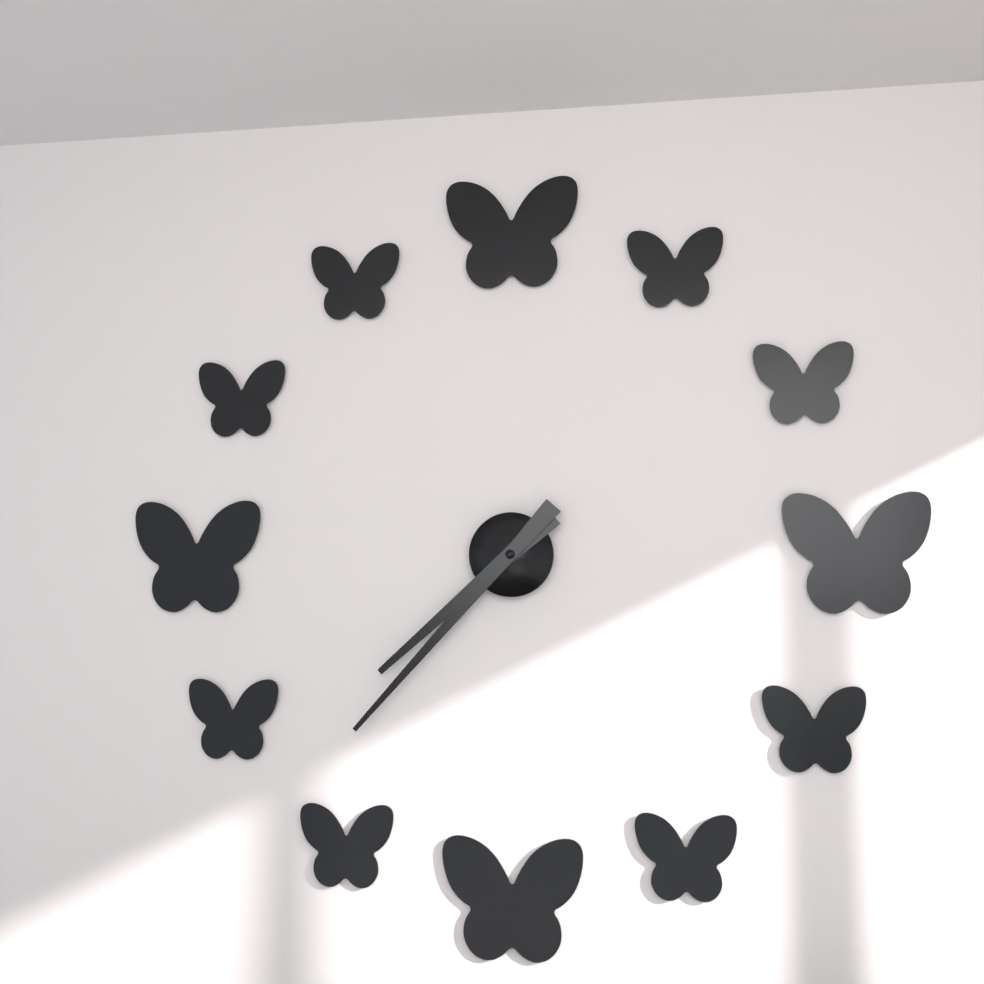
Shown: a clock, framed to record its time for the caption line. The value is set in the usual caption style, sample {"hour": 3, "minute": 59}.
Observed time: {"hour": 7, "minute": 37}
